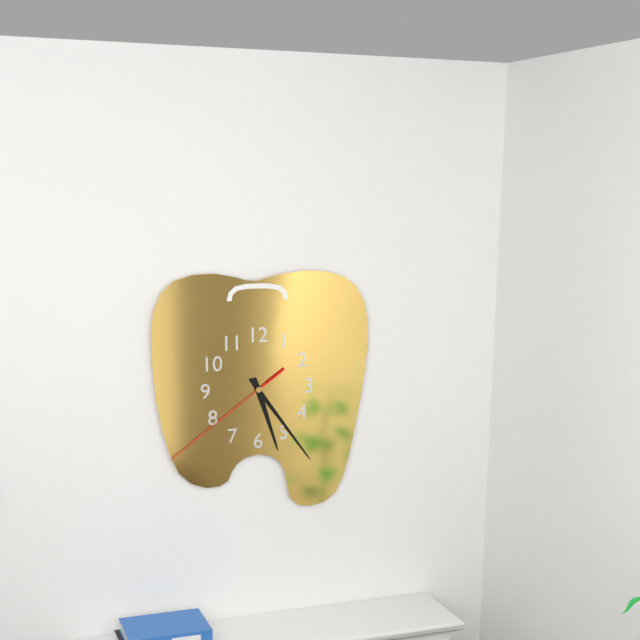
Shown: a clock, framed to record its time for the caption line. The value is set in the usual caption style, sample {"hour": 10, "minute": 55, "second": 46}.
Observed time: {"hour": 5, "minute": 24, "second": 39}
